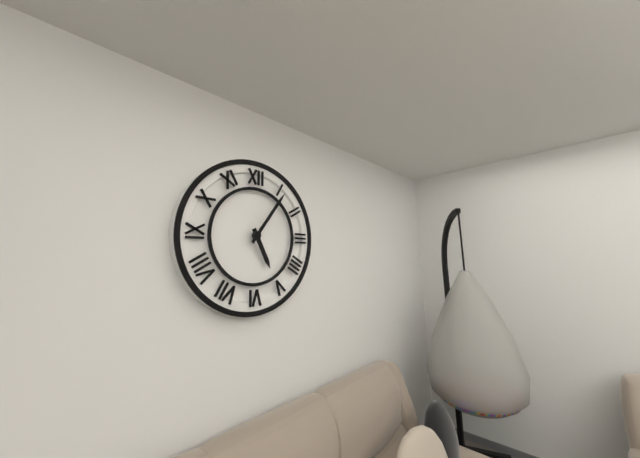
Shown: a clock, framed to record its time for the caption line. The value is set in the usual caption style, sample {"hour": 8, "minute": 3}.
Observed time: {"hour": 5, "minute": 6}
